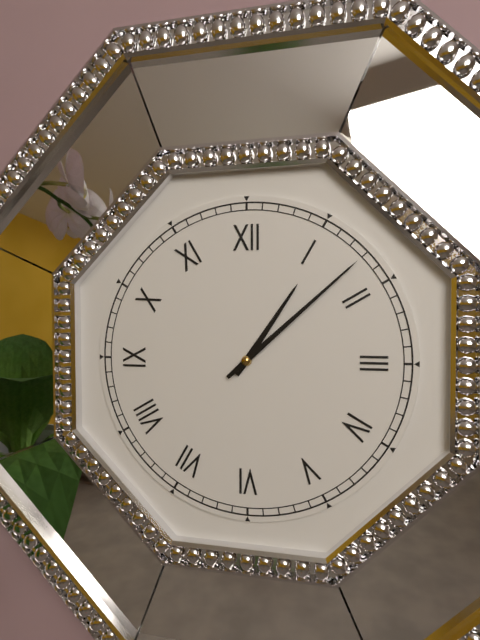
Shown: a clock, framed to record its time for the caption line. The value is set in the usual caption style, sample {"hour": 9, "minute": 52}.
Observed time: {"hour": 1, "minute": 8}
